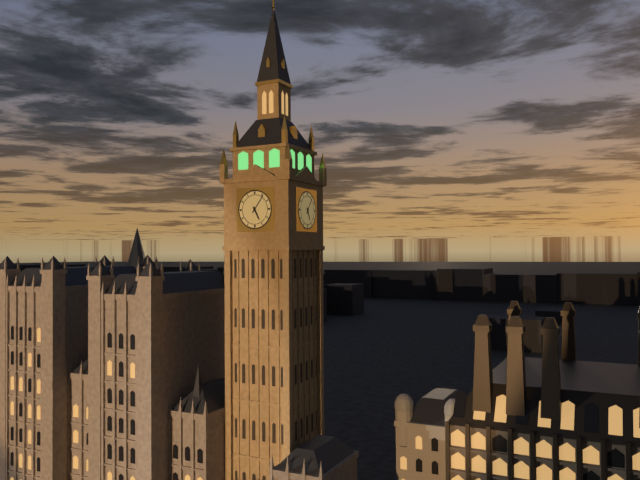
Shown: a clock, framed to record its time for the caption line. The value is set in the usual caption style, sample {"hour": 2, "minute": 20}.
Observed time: {"hour": 5, "minute": 6}
